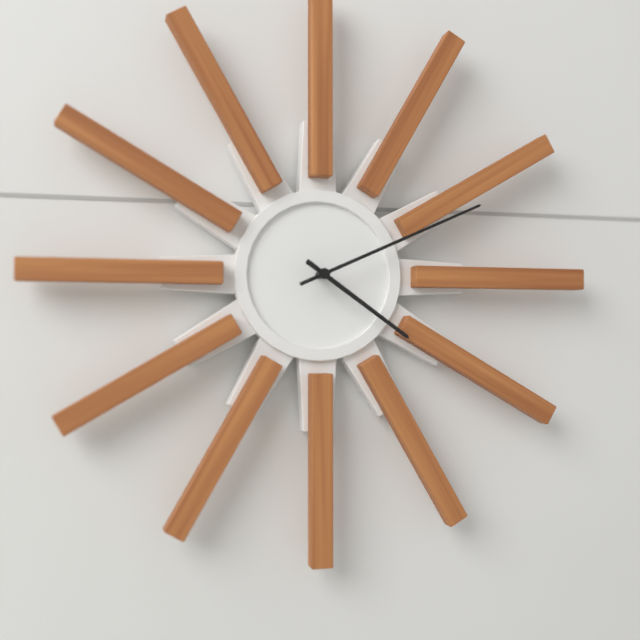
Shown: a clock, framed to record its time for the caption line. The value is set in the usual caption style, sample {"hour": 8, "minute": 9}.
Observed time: {"hour": 4, "minute": 11}
